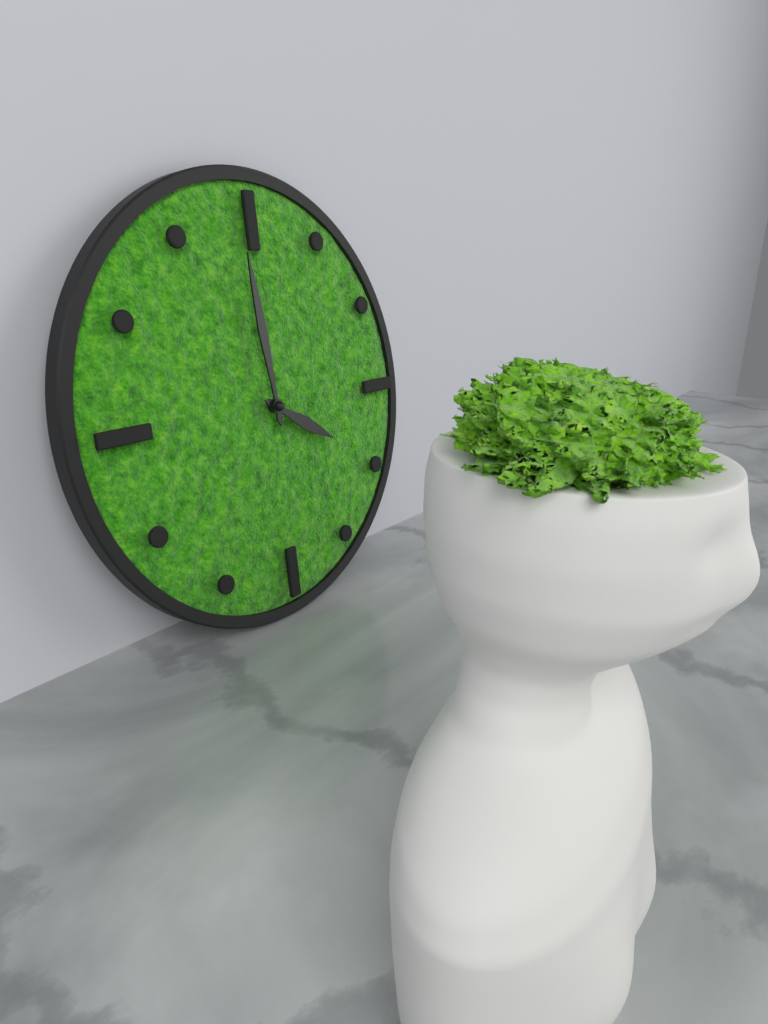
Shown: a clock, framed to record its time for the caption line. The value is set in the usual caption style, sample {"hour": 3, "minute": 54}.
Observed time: {"hour": 3, "minute": 59}
